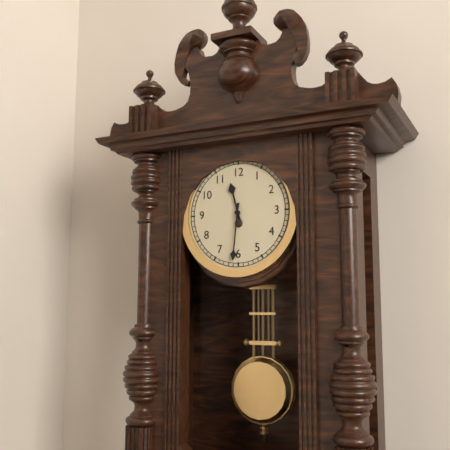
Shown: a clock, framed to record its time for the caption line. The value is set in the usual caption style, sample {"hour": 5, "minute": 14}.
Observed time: {"hour": 11, "minute": 31}
